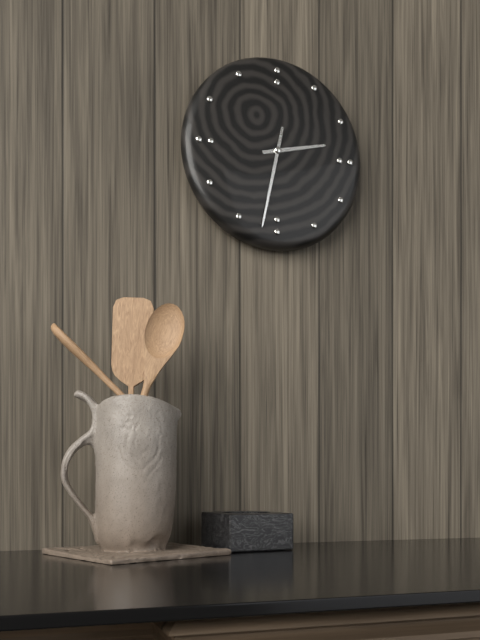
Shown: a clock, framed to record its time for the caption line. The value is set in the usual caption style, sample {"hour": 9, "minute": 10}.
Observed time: {"hour": 2, "minute": 32}
